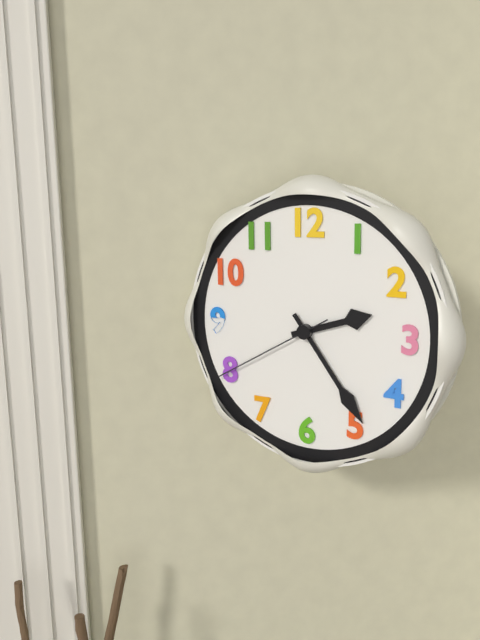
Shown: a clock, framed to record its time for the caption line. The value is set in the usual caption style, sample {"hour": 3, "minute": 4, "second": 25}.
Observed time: {"hour": 2, "minute": 24, "second": 40}
